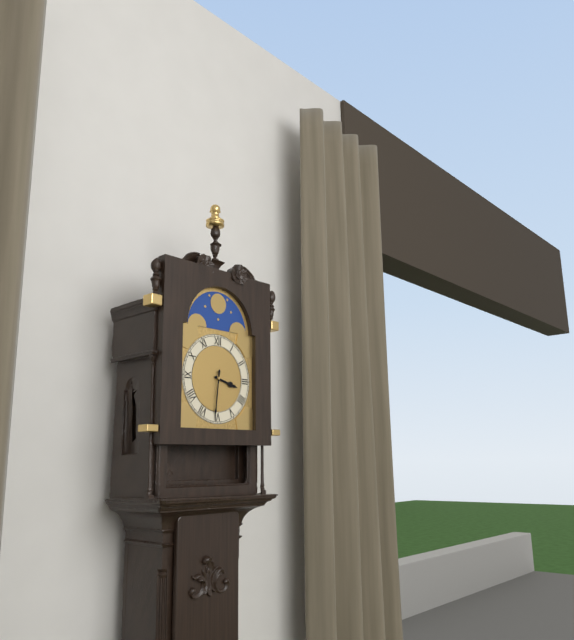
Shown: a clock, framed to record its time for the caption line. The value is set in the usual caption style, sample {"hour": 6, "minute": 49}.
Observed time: {"hour": 3, "minute": 31}
